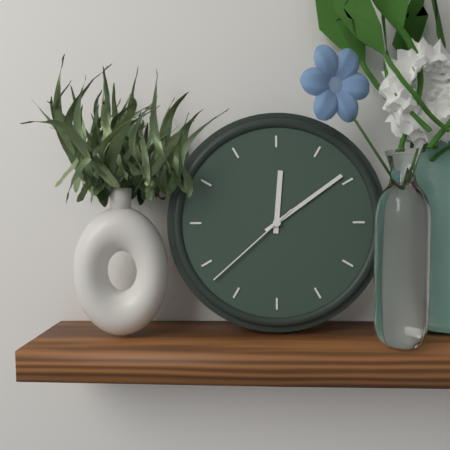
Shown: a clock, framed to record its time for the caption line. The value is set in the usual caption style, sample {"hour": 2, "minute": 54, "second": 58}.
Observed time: {"hour": 12, "minute": 9, "second": 38}
